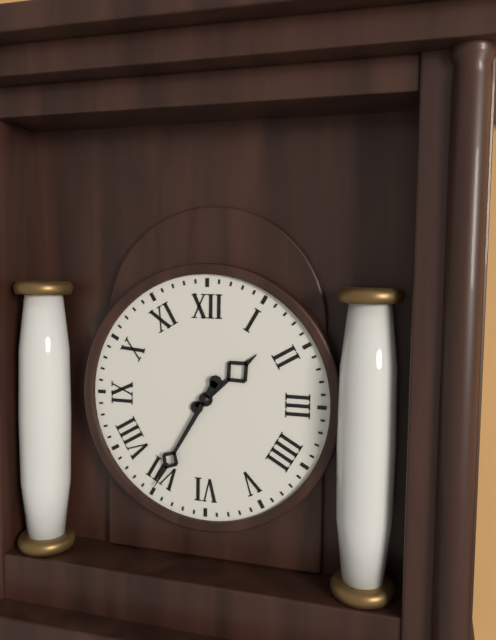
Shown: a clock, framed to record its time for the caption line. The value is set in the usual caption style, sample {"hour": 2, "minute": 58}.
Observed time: {"hour": 1, "minute": 35}
